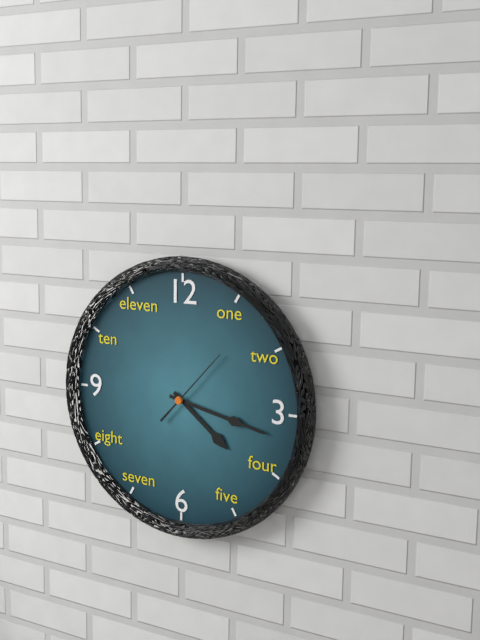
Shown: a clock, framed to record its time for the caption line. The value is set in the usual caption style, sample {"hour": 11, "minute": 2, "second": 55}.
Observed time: {"hour": 4, "minute": 17, "second": 7}
